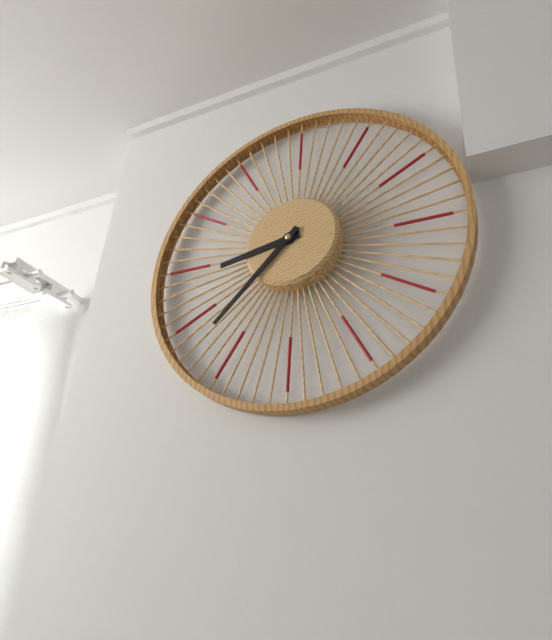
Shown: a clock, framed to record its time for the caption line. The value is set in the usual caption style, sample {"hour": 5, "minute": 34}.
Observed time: {"hour": 8, "minute": 37}
